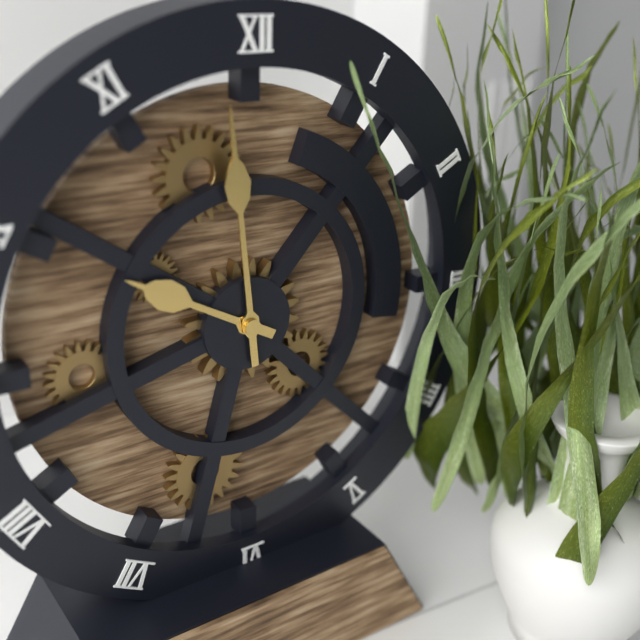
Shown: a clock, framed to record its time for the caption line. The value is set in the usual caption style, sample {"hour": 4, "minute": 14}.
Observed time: {"hour": 9, "minute": 59}
